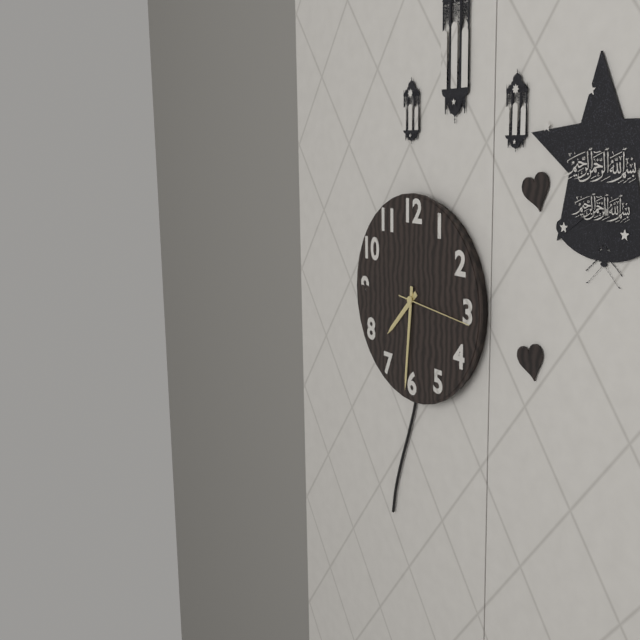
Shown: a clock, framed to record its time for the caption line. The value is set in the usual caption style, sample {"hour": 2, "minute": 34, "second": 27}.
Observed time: {"hour": 7, "minute": 31, "second": 16}
